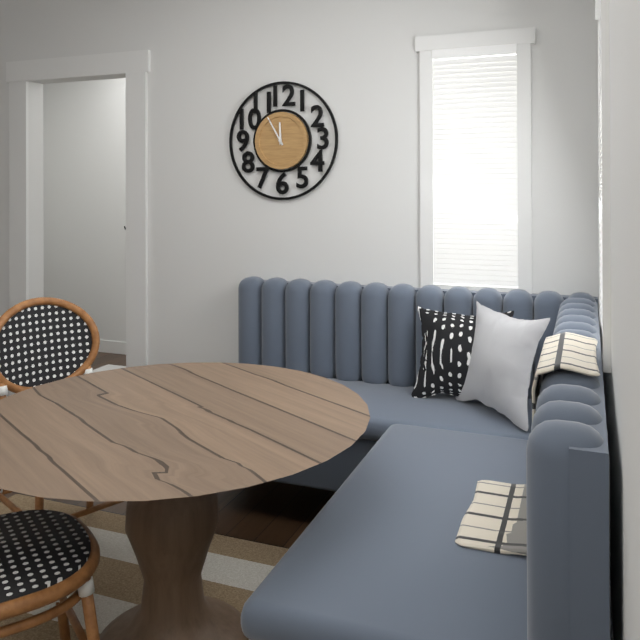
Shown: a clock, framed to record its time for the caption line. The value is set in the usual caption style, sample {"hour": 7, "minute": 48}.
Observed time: {"hour": 11, "minute": 55}
